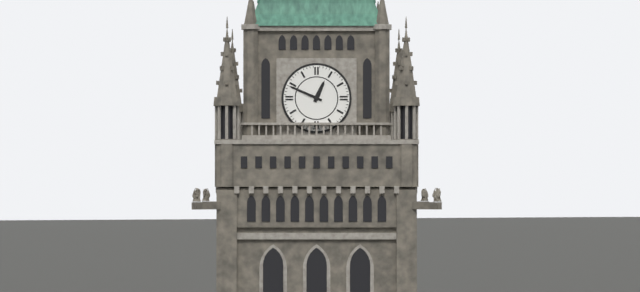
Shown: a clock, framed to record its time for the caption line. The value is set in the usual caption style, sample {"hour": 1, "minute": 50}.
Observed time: {"hour": 12, "minute": 49}
